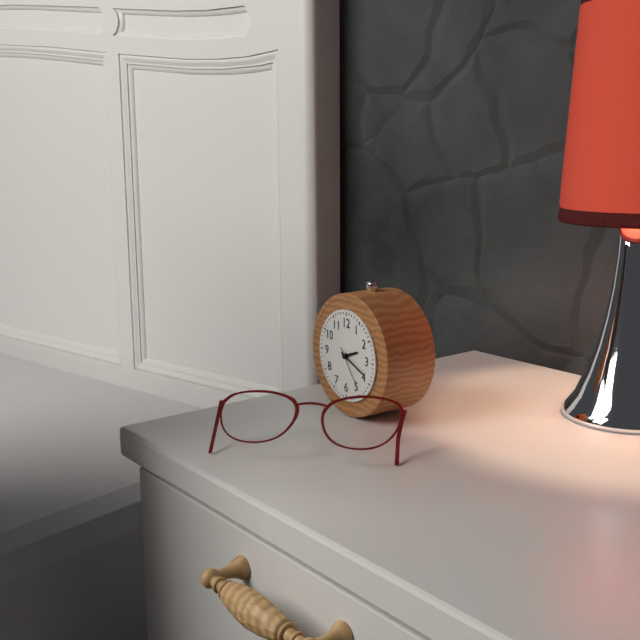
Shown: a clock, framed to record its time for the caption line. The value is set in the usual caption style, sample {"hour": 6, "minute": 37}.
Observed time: {"hour": 2, "minute": 19}
